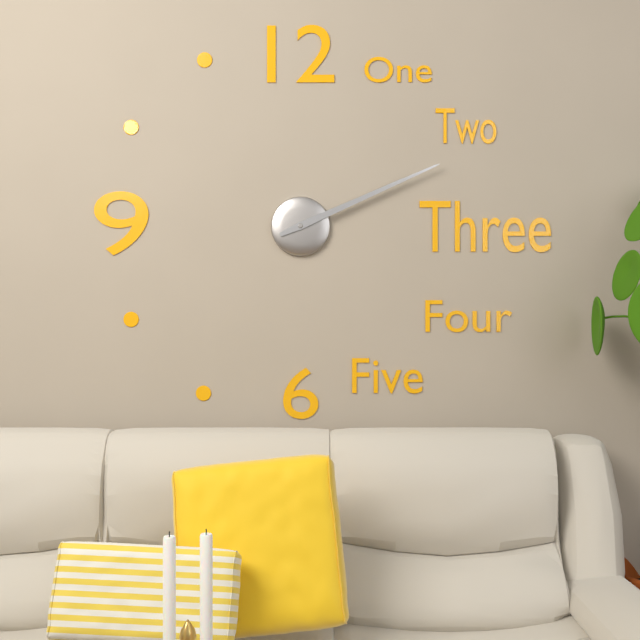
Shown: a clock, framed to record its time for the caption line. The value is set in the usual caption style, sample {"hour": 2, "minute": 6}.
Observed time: {"hour": 2, "minute": 11}
